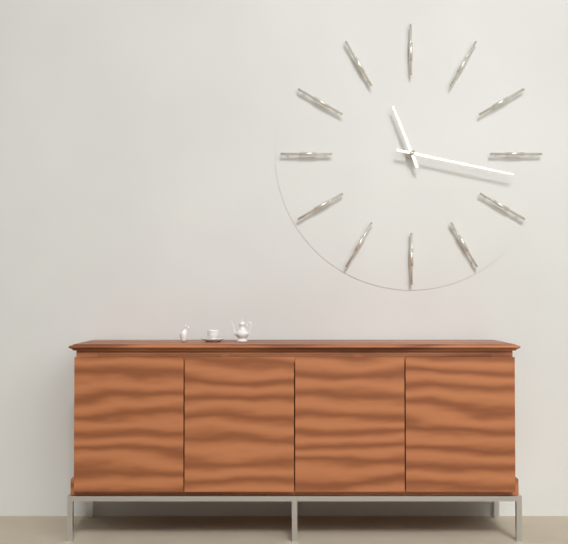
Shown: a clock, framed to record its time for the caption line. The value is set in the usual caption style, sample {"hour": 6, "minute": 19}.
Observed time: {"hour": 11, "minute": 17}
